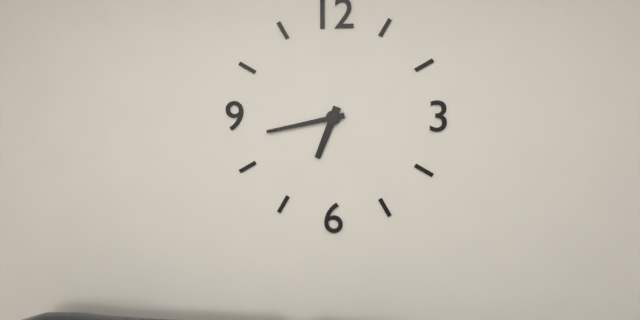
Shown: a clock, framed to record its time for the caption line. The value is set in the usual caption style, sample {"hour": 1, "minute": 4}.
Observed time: {"hour": 6, "minute": 43}
